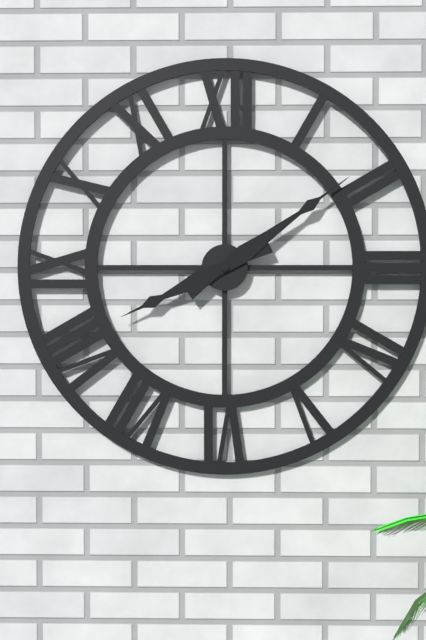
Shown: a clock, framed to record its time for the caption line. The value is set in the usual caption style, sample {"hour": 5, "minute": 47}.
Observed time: {"hour": 8, "minute": 9}
